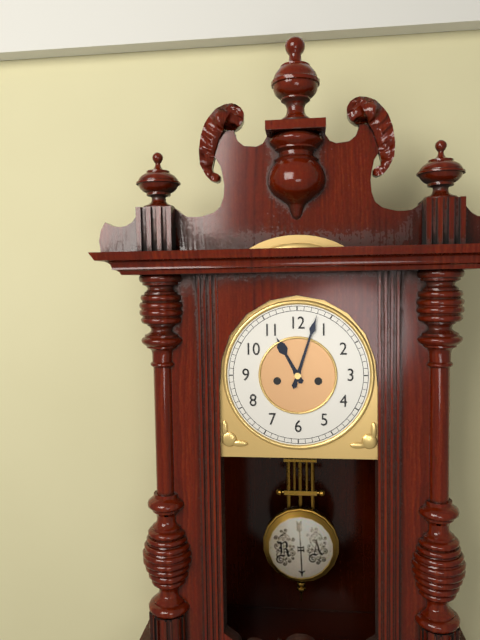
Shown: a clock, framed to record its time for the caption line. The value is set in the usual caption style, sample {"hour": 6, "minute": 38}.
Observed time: {"hour": 11, "minute": 3}
